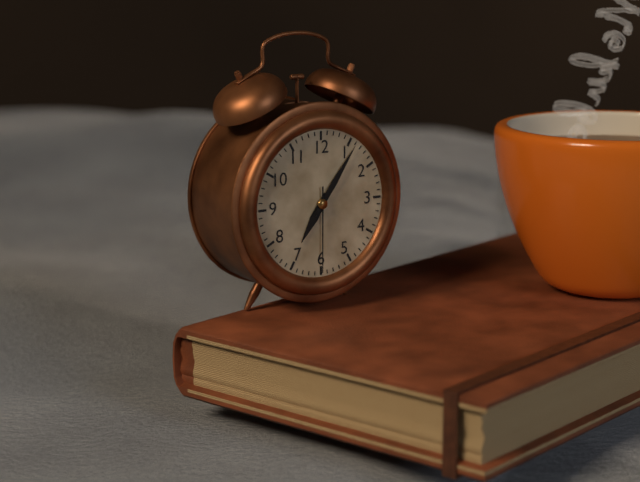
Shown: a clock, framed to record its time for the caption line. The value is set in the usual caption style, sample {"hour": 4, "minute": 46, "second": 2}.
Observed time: {"hour": 7, "minute": 6, "second": 30}
